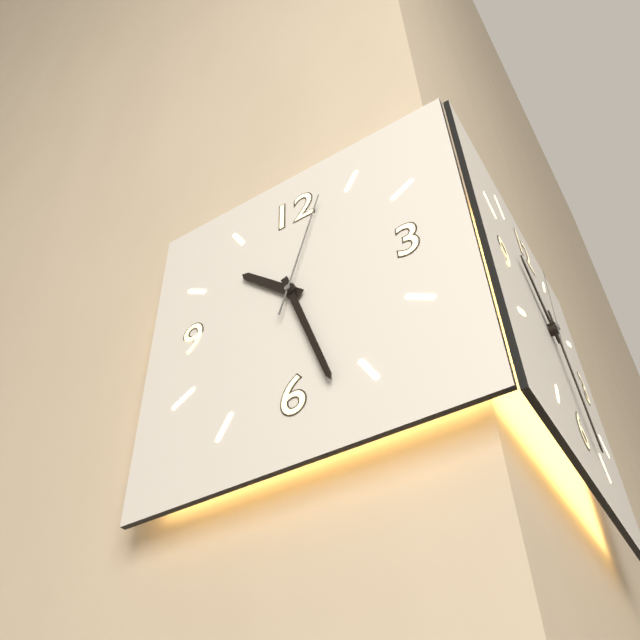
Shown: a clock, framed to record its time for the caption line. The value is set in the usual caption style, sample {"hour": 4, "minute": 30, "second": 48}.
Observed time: {"hour": 10, "minute": 27, "second": 3}
